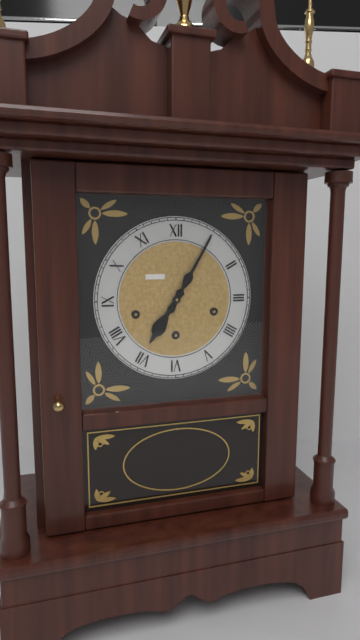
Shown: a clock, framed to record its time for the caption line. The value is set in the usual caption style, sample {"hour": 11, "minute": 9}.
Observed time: {"hour": 7, "minute": 5}
